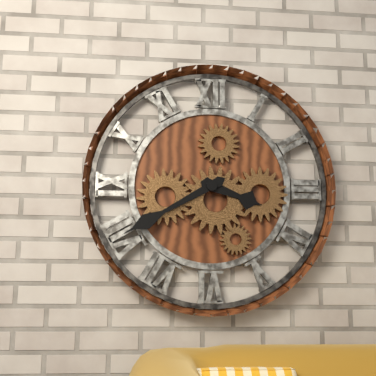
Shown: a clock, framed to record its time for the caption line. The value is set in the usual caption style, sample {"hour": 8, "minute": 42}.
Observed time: {"hour": 3, "minute": 40}
